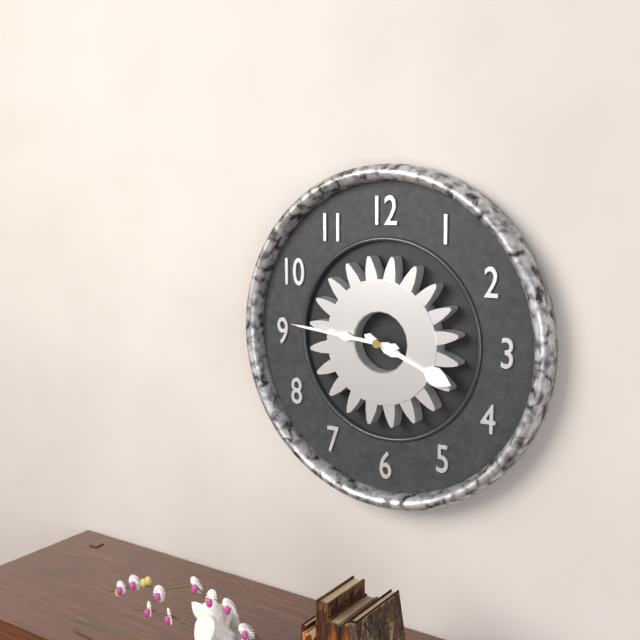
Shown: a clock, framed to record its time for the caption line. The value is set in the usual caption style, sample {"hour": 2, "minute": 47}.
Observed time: {"hour": 3, "minute": 46}
